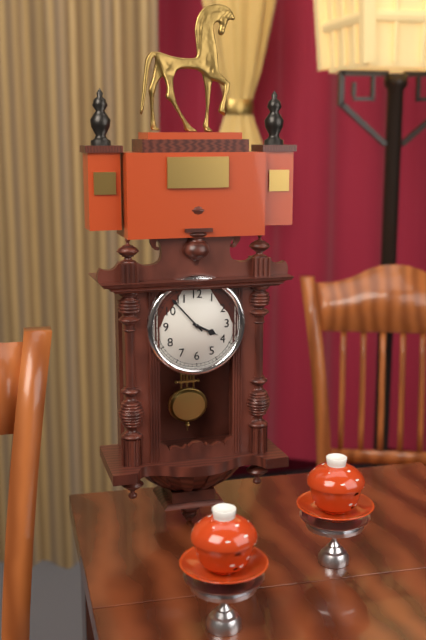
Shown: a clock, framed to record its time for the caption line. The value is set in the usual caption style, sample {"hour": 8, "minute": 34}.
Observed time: {"hour": 3, "minute": 53}
